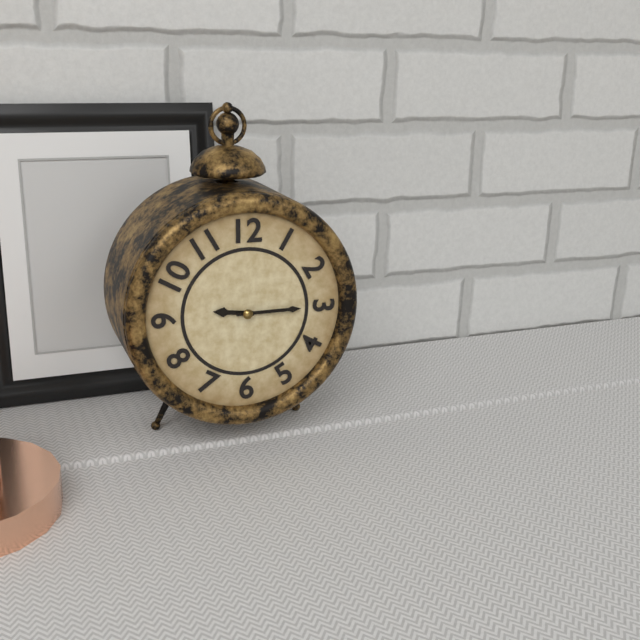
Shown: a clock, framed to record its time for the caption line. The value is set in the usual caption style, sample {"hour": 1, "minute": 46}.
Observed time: {"hour": 9, "minute": 15}
